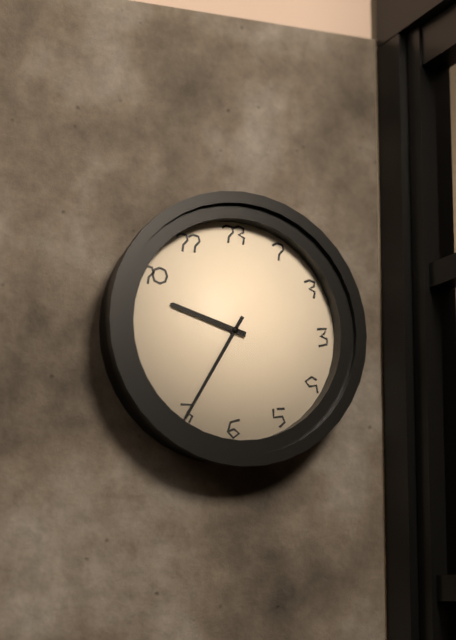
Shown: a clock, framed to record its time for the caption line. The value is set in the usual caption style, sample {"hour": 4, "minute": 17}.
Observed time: {"hour": 9, "minute": 35}
